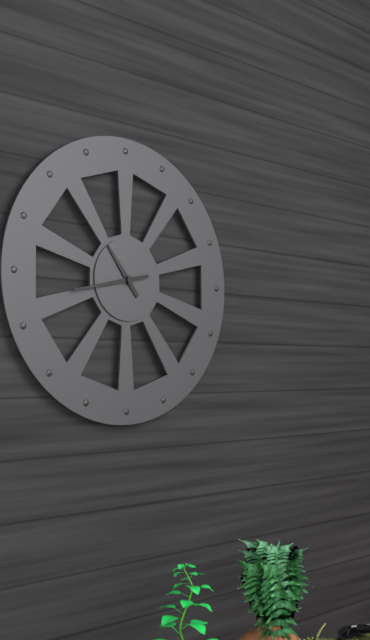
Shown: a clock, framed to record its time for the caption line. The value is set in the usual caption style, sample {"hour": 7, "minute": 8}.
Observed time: {"hour": 10, "minute": 43}
